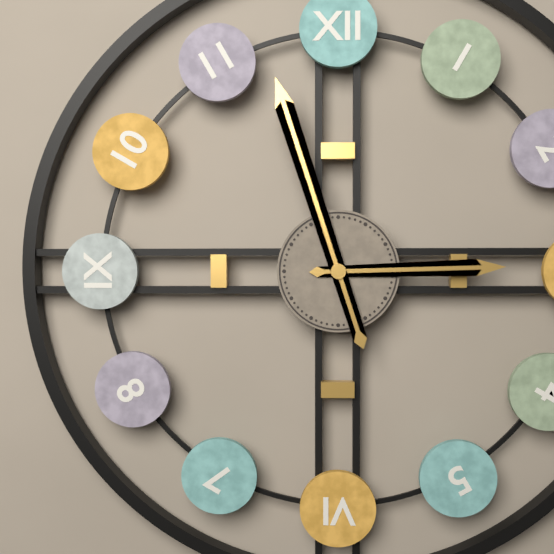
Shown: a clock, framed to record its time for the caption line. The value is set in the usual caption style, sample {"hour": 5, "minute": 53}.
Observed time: {"hour": 2, "minute": 57}
